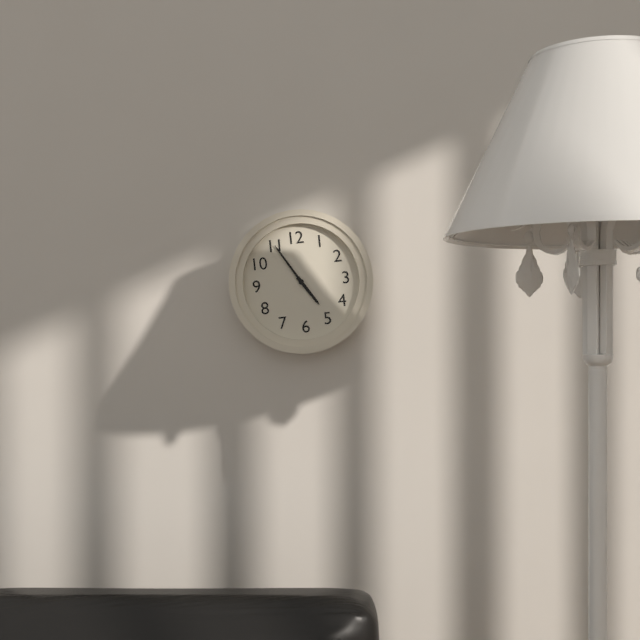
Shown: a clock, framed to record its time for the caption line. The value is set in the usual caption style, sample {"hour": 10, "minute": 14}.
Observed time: {"hour": 4, "minute": 55}
